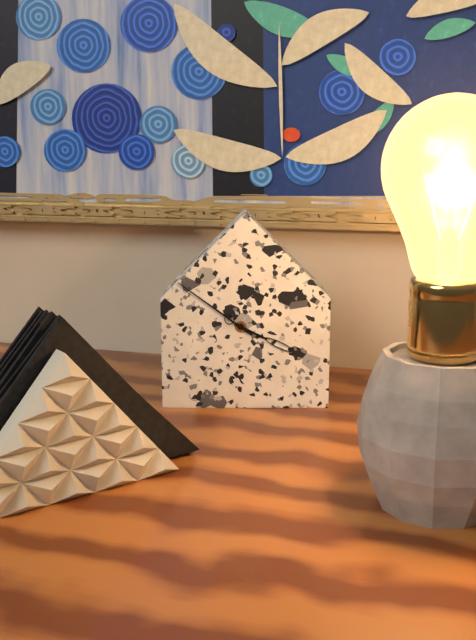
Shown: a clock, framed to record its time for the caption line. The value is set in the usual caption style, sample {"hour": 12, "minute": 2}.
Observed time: {"hour": 3, "minute": 51}
